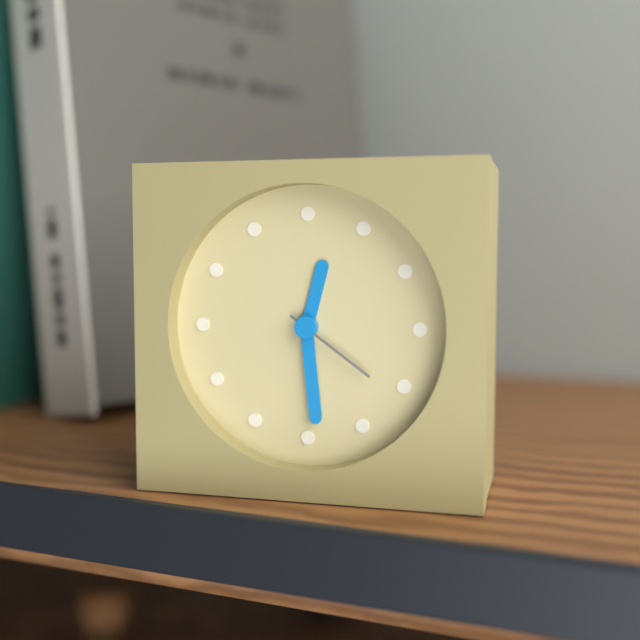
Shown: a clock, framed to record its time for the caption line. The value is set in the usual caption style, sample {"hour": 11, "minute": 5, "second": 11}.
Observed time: {"hour": 12, "minute": 29, "second": 21}
